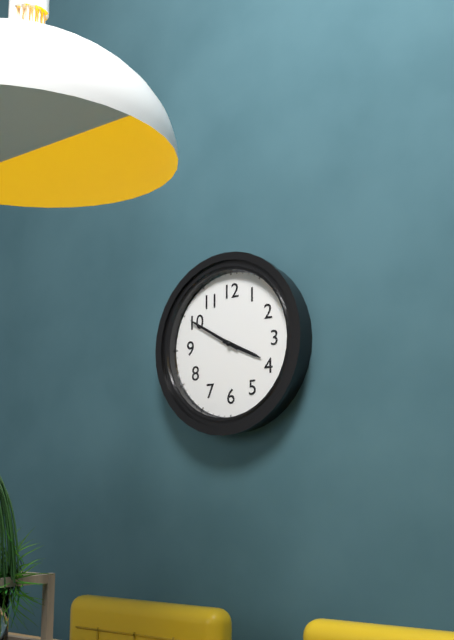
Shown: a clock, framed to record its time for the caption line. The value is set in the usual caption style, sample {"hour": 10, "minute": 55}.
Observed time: {"hour": 3, "minute": 50}
